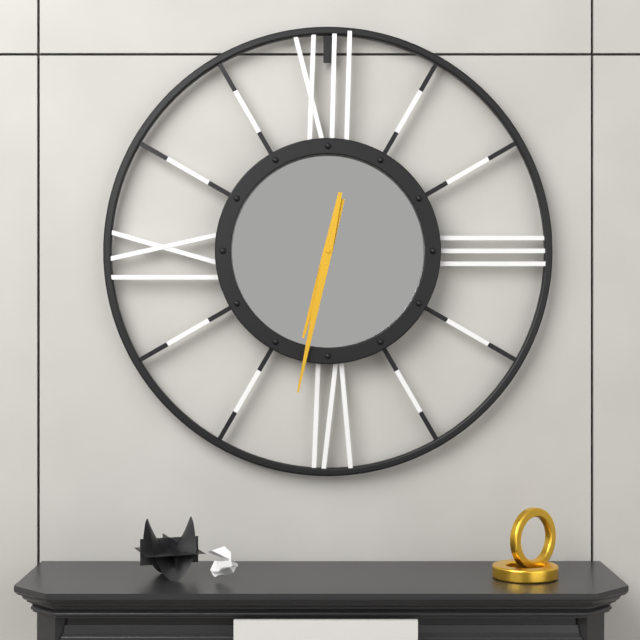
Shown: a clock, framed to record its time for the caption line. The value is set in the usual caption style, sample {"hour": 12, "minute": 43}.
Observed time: {"hour": 6, "minute": 32}
